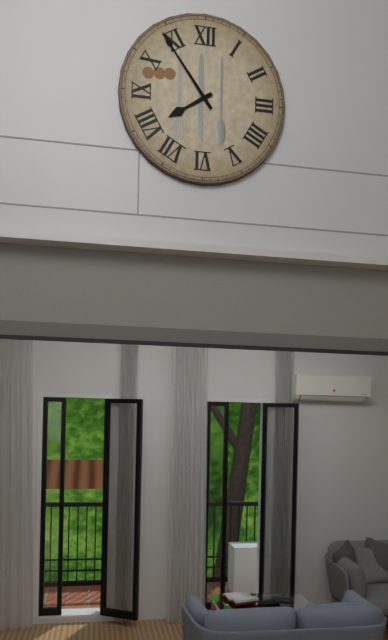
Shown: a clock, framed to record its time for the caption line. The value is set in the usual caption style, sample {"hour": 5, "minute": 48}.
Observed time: {"hour": 7, "minute": 54}
